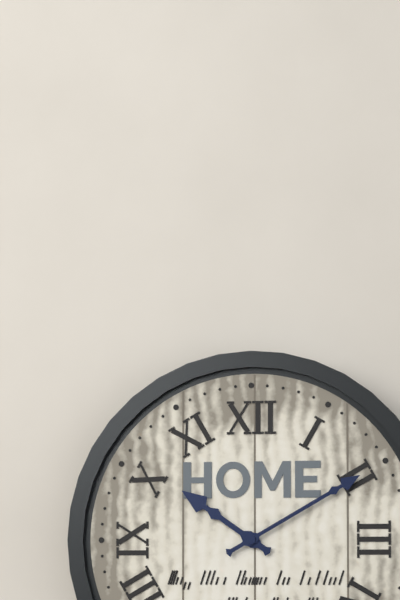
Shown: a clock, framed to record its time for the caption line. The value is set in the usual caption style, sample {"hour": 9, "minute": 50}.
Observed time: {"hour": 10, "minute": 10}
